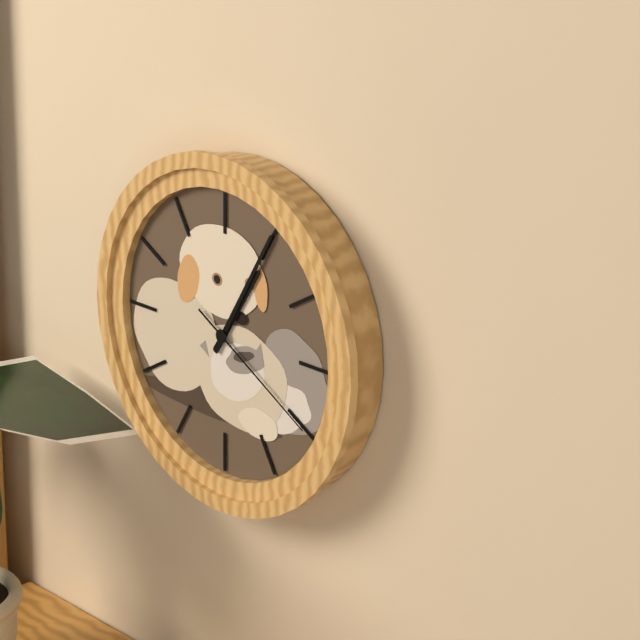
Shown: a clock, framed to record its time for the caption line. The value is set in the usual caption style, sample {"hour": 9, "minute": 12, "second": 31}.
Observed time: {"hour": 1, "minute": 5, "second": 20}
